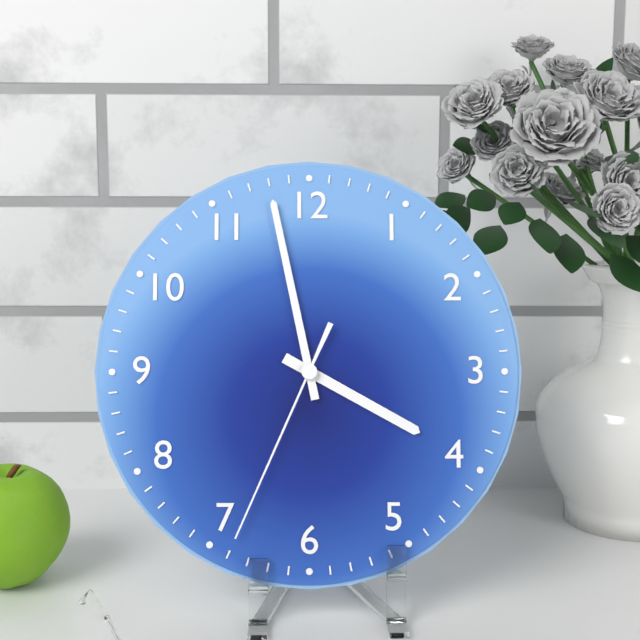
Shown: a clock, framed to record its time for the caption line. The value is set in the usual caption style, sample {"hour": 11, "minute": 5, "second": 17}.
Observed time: {"hour": 3, "minute": 58, "second": 34}
